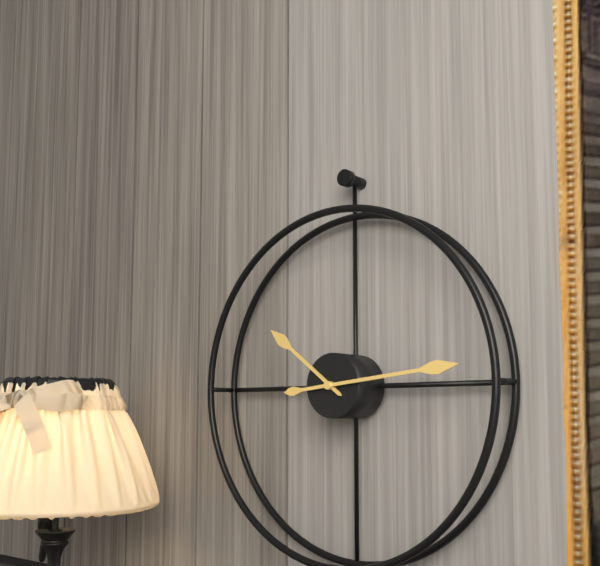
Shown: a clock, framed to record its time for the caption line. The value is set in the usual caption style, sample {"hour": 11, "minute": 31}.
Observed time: {"hour": 10, "minute": 14}
